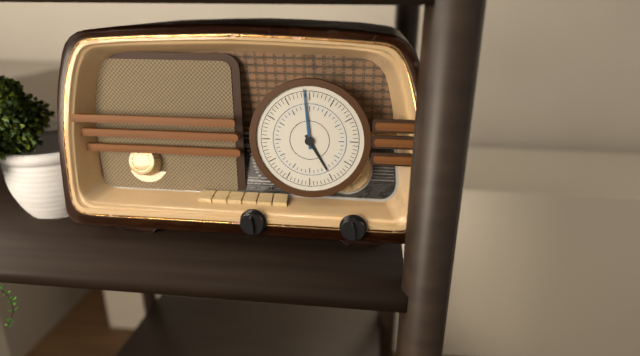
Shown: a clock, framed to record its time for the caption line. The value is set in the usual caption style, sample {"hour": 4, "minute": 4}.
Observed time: {"hour": 4, "minute": 59}
